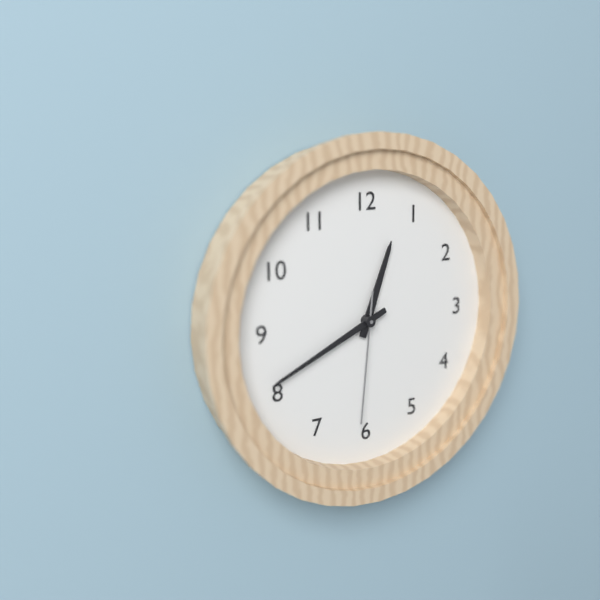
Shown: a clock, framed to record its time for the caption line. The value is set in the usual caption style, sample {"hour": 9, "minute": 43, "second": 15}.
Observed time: {"hour": 12, "minute": 41, "second": 31}
